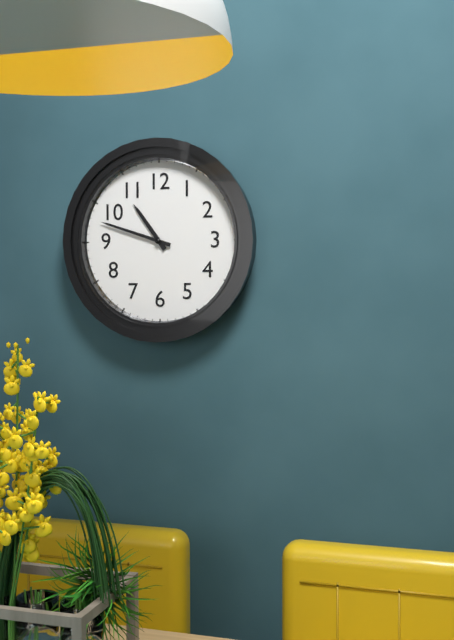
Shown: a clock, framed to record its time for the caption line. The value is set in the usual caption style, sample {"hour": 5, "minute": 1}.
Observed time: {"hour": 10, "minute": 48}
